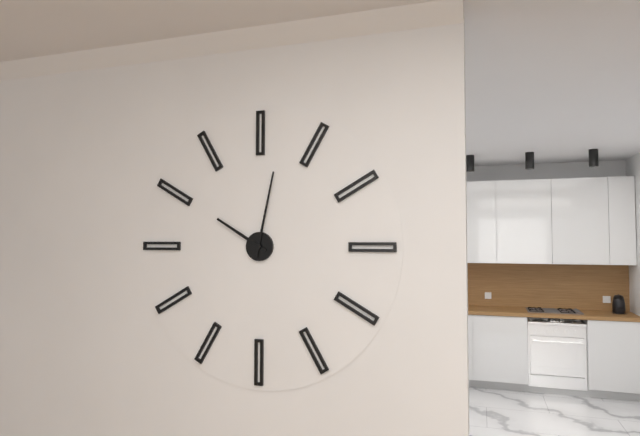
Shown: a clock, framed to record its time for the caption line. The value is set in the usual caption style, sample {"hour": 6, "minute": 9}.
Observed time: {"hour": 10, "minute": 2}
